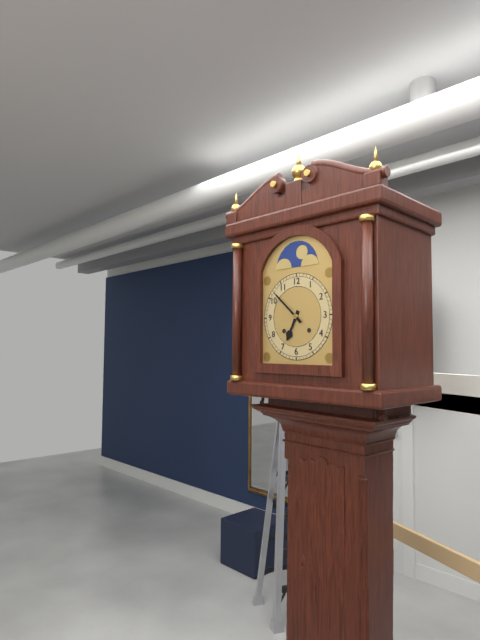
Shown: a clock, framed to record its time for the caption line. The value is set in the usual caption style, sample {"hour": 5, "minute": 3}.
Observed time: {"hour": 6, "minute": 52}
